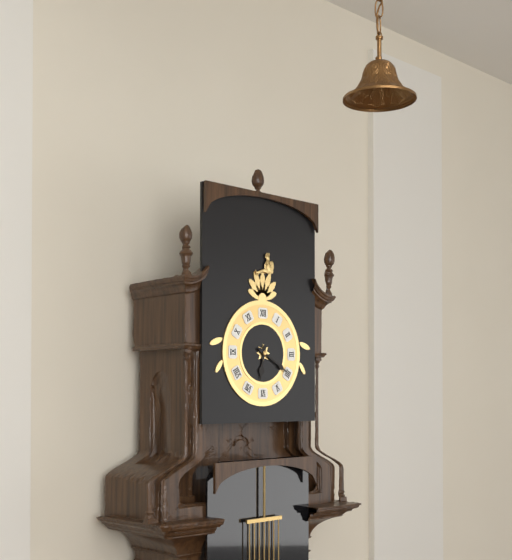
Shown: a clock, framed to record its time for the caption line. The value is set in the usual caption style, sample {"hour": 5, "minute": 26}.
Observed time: {"hour": 6, "minute": 20}
